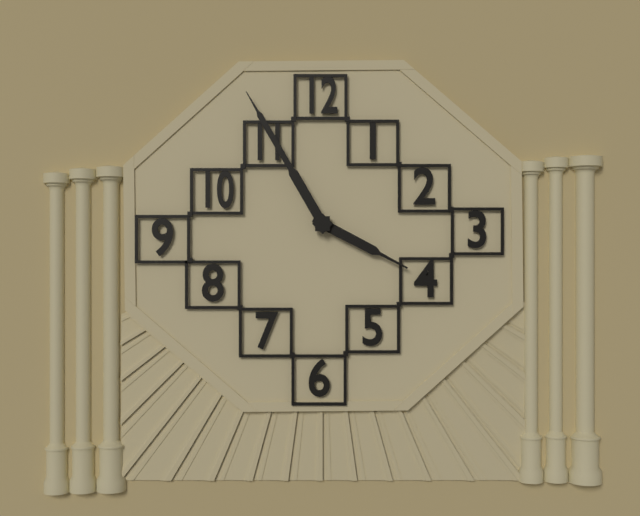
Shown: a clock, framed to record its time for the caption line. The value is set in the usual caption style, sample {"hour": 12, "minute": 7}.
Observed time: {"hour": 3, "minute": 55}
